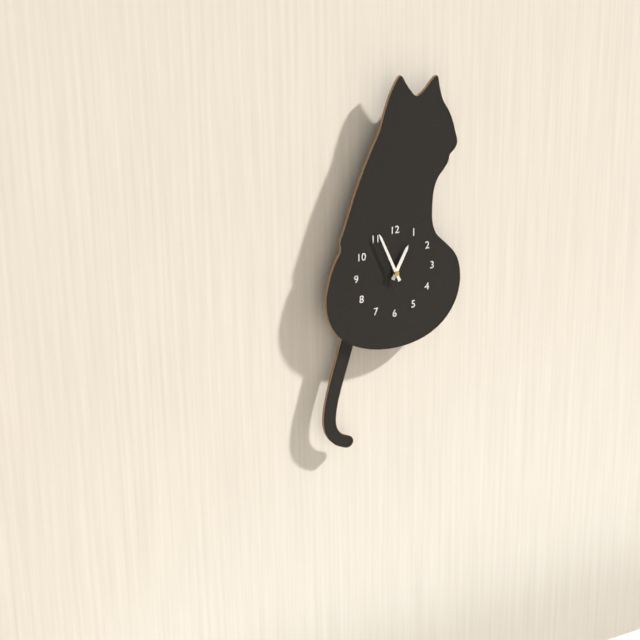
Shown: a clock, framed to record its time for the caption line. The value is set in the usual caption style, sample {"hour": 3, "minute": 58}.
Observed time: {"hour": 12, "minute": 56}
